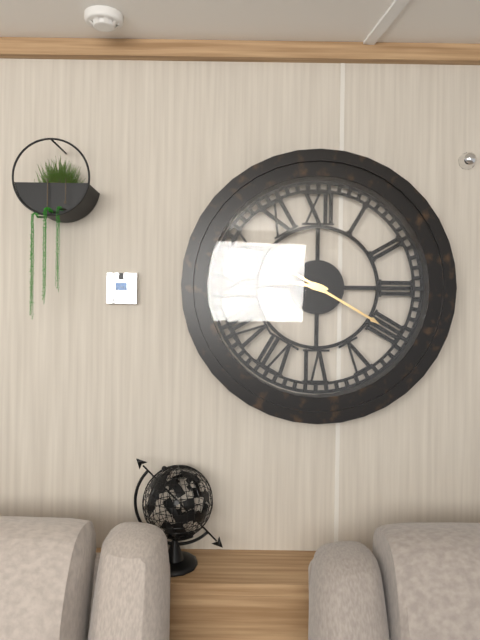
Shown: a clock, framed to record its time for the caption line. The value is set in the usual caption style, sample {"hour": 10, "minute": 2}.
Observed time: {"hour": 9, "minute": 20}
